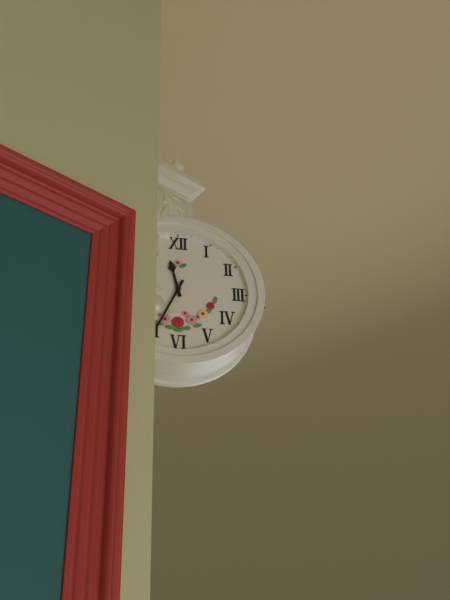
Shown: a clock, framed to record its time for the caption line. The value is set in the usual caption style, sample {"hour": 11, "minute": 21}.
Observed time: {"hour": 11, "minute": 34}
